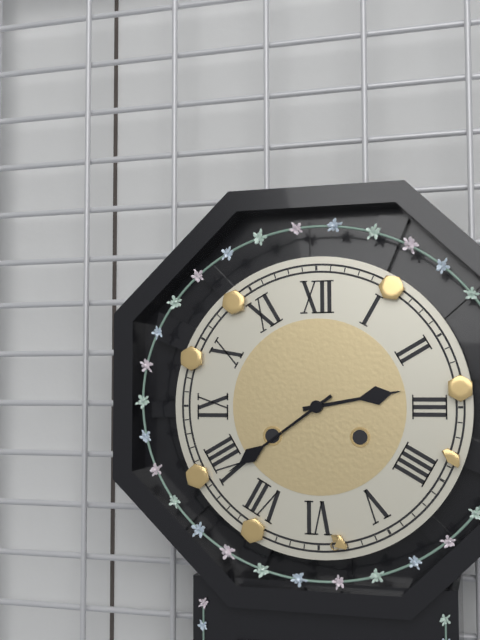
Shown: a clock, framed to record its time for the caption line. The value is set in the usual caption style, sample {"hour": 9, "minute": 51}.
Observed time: {"hour": 2, "minute": 39}
